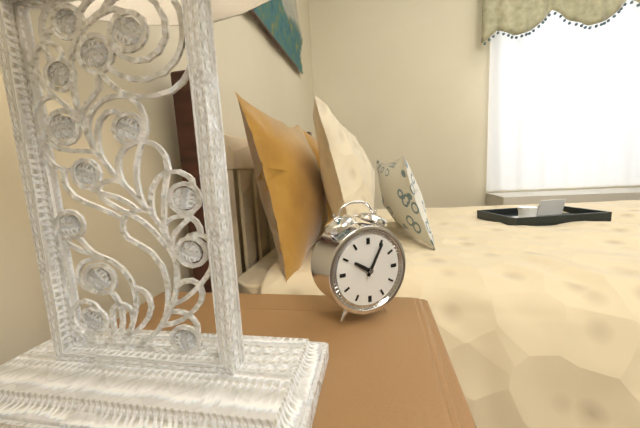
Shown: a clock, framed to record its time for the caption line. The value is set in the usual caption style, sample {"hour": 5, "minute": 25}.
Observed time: {"hour": 10, "minute": 5}
